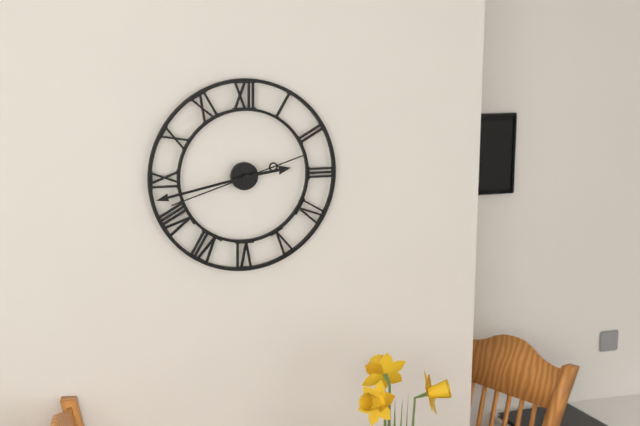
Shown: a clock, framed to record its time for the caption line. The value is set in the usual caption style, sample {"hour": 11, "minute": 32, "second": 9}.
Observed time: {"hour": 2, "minute": 43, "second": 42}
